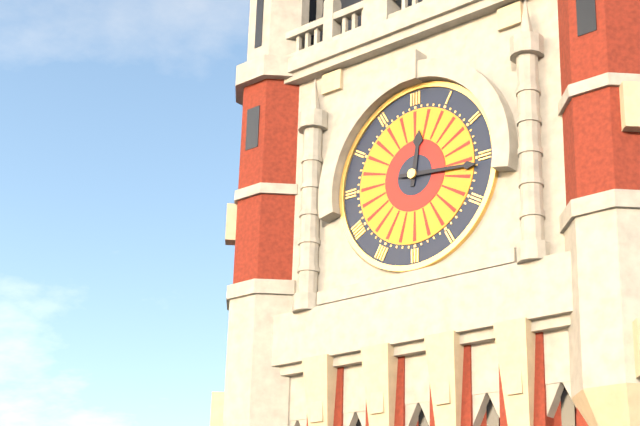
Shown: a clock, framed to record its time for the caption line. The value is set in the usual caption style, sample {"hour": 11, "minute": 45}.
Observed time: {"hour": 12, "minute": 16}
